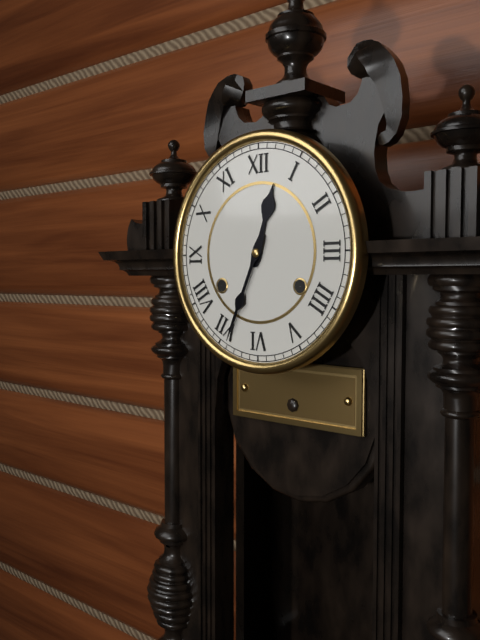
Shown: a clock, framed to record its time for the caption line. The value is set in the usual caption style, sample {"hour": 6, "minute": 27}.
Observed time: {"hour": 12, "minute": 34}
